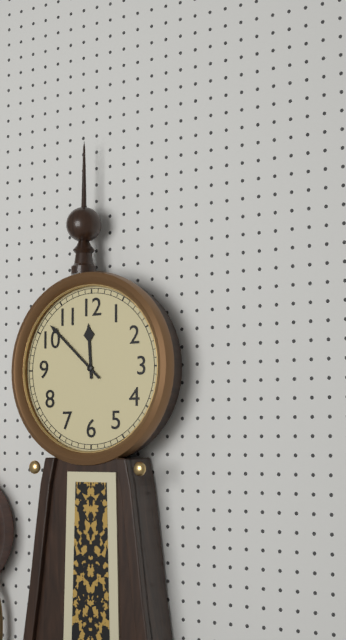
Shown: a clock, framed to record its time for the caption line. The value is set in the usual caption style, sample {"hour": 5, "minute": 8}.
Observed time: {"hour": 11, "minute": 52}
